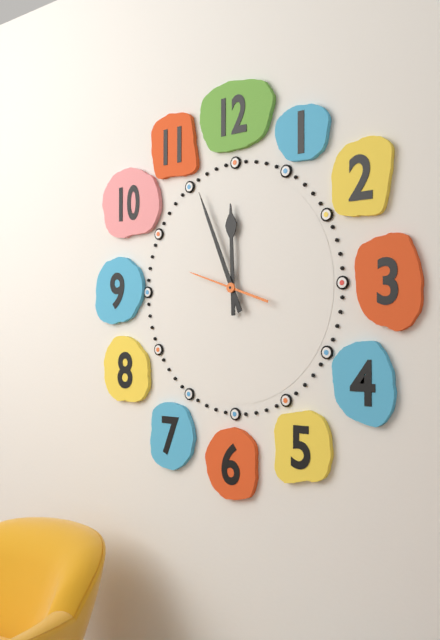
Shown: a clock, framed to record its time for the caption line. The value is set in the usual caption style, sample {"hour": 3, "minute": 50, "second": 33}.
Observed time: {"hour": 11, "minute": 56, "second": 48}
